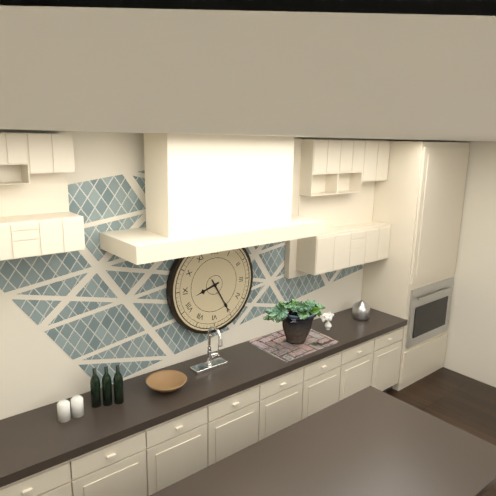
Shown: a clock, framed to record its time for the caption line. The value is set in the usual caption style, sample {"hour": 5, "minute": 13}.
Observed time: {"hour": 8, "minute": 25}
